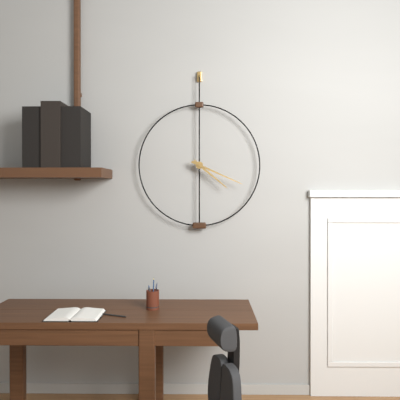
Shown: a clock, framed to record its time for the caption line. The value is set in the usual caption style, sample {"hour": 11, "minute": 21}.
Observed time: {"hour": 4, "minute": 19}
